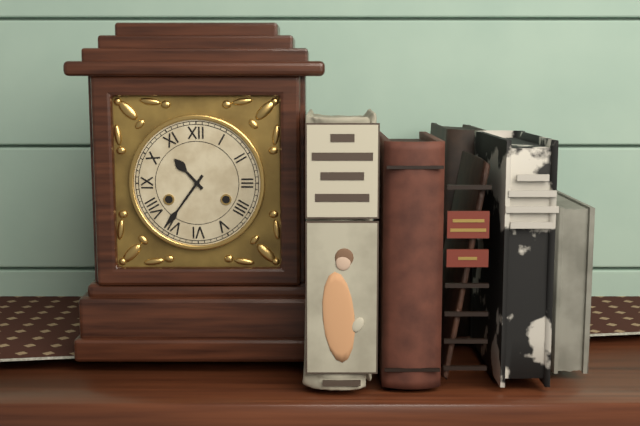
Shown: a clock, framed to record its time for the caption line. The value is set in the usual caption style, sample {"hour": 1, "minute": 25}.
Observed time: {"hour": 10, "minute": 36}
